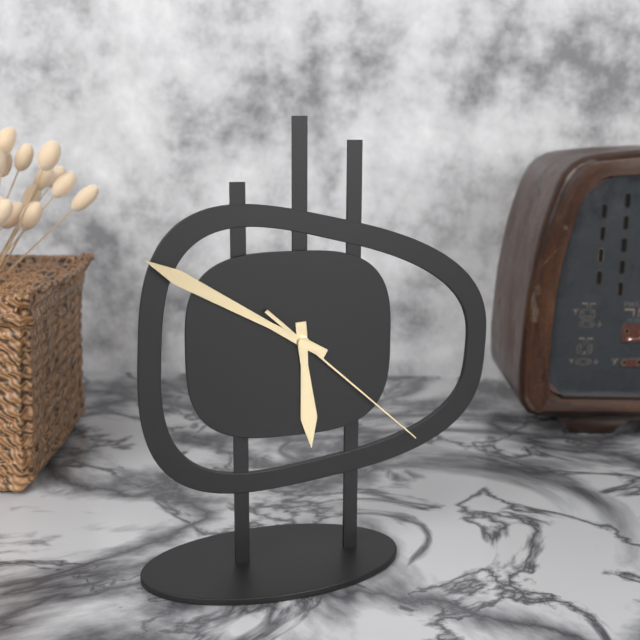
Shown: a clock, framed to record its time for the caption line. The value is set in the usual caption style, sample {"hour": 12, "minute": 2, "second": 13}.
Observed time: {"hour": 5, "minute": 50, "second": 22}
